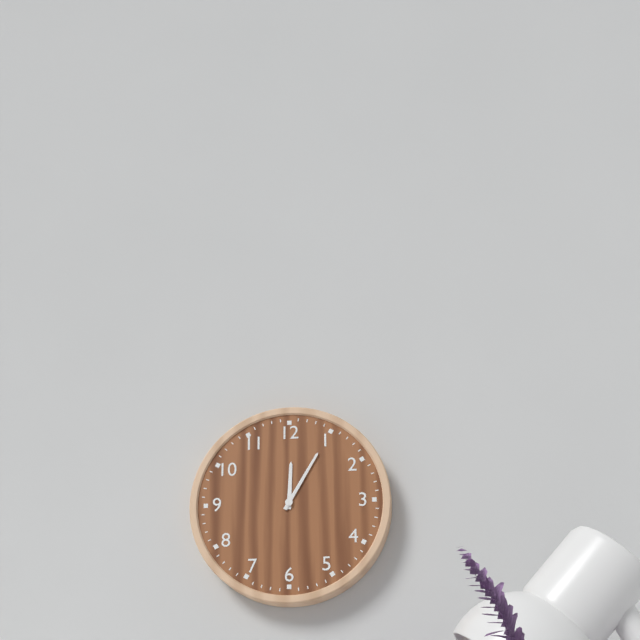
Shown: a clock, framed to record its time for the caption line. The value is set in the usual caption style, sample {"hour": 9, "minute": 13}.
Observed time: {"hour": 12, "minute": 5}
